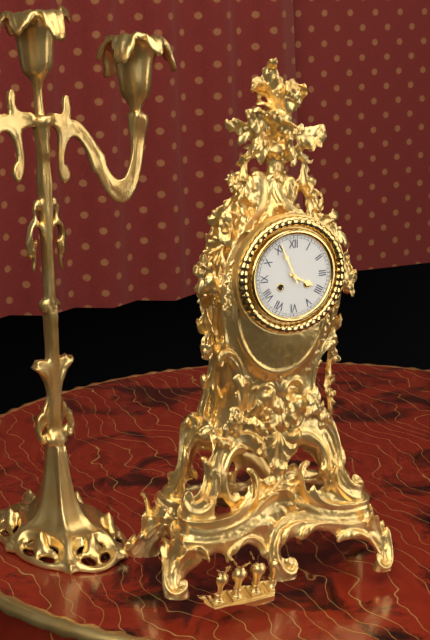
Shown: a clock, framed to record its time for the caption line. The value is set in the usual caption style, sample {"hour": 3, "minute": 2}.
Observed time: {"hour": 3, "minute": 56}
